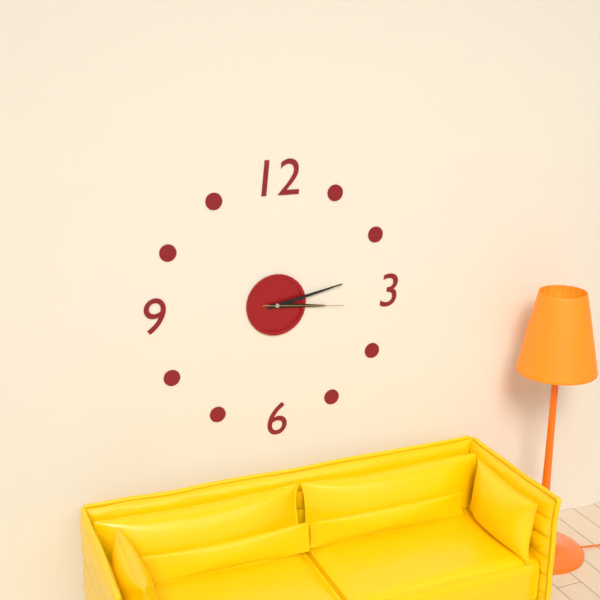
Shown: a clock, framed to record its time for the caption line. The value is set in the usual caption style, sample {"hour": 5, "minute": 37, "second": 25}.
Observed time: {"hour": 3, "minute": 13, "second": 16}
